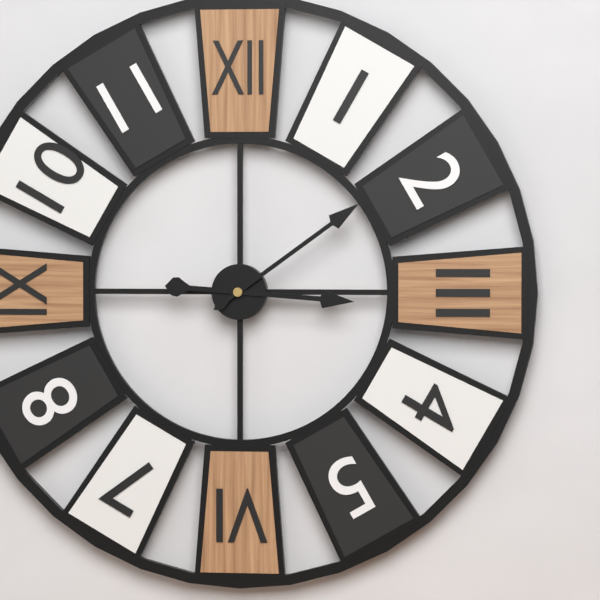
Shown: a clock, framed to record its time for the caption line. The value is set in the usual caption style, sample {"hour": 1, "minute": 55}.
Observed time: {"hour": 3, "minute": 9}
